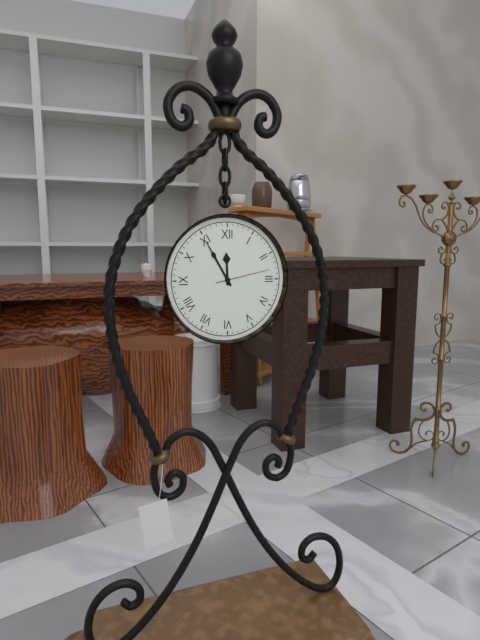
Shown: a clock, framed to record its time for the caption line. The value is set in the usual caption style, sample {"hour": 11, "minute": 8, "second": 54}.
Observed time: {"hour": 11, "minute": 55, "second": 13}
